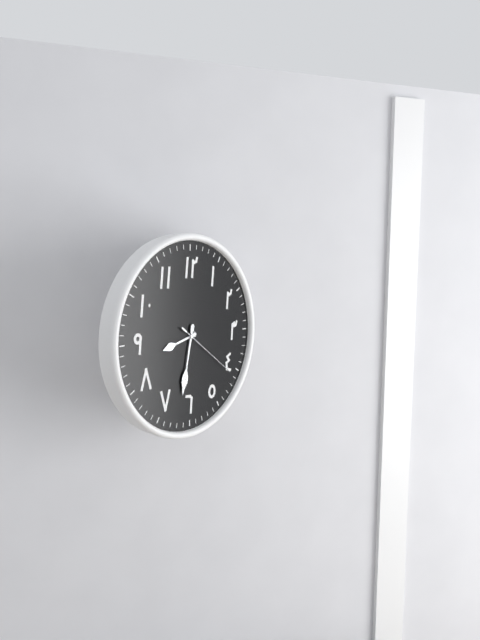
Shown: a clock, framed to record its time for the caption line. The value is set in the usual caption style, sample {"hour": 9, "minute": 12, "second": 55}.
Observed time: {"hour": 8, "minute": 32, "second": 21}
